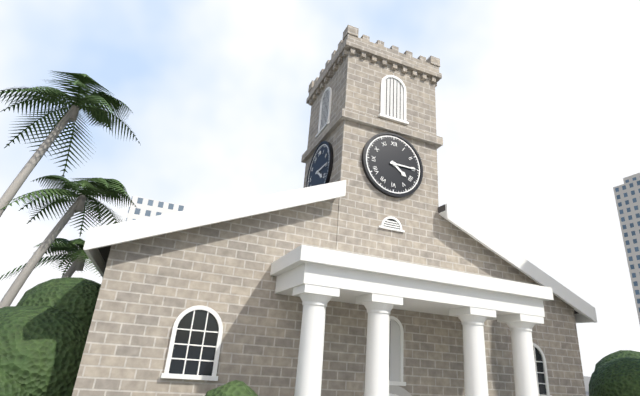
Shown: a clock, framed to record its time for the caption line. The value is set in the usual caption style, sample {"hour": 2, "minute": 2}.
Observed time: {"hour": 4, "minute": 15}
